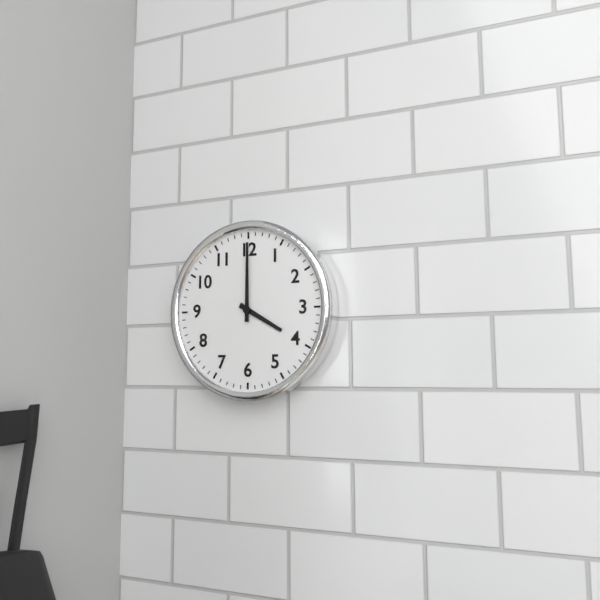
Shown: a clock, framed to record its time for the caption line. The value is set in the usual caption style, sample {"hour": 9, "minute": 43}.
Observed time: {"hour": 4, "minute": 0}
